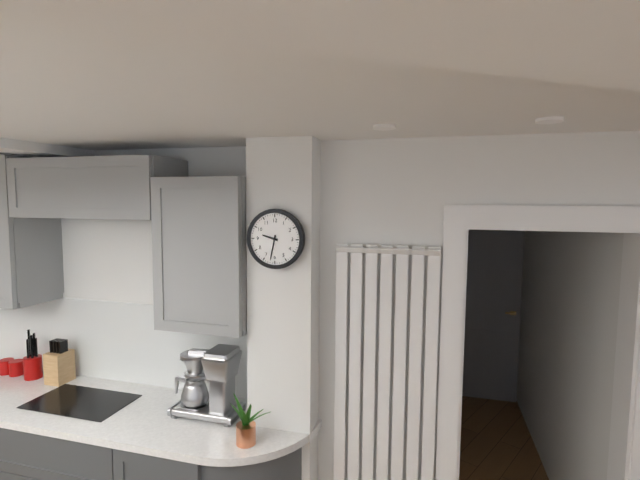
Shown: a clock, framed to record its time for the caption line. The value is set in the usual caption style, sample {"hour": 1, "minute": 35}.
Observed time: {"hour": 9, "minute": 32}
